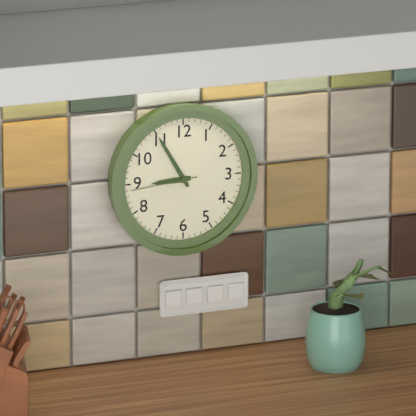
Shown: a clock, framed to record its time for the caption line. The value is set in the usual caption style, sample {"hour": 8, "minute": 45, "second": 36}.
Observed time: {"hour": 8, "minute": 55, "second": 44}
